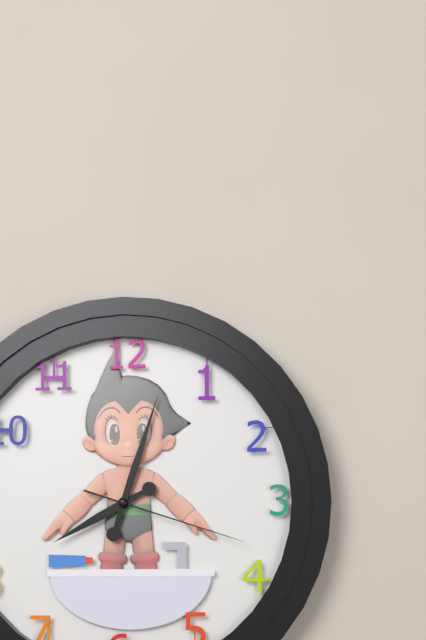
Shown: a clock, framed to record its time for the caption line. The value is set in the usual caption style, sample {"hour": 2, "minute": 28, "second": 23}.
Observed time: {"hour": 8, "minute": 3, "second": 18}
